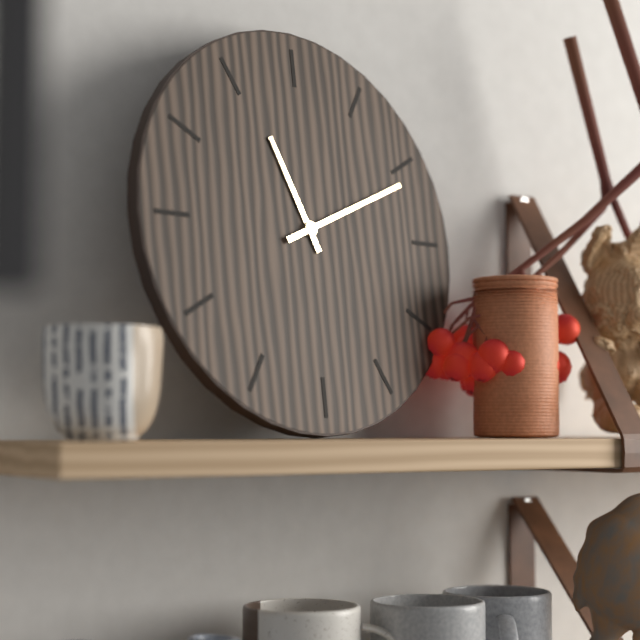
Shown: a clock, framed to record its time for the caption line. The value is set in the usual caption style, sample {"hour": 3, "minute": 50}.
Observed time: {"hour": 11, "minute": 11}
